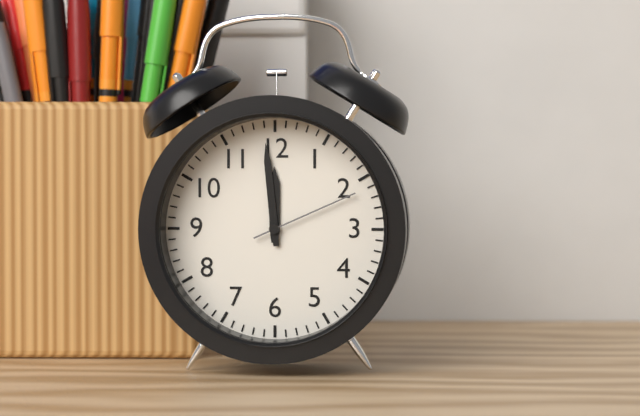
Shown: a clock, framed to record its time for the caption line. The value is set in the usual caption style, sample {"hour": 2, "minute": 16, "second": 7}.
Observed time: {"hour": 11, "minute": 59, "second": 11}
